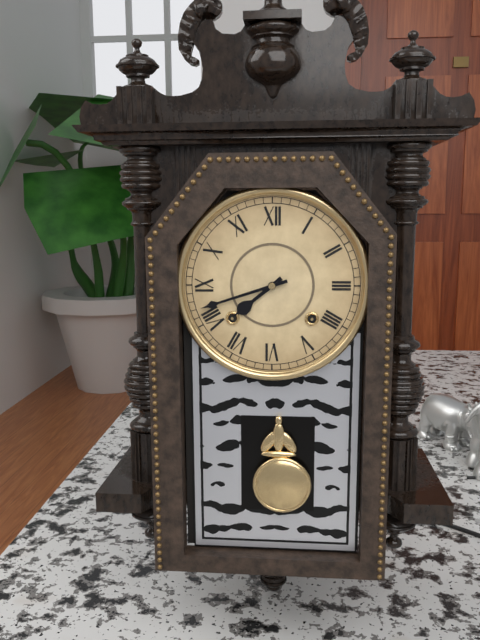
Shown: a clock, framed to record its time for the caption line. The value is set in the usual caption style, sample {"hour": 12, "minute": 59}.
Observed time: {"hour": 7, "minute": 42}
